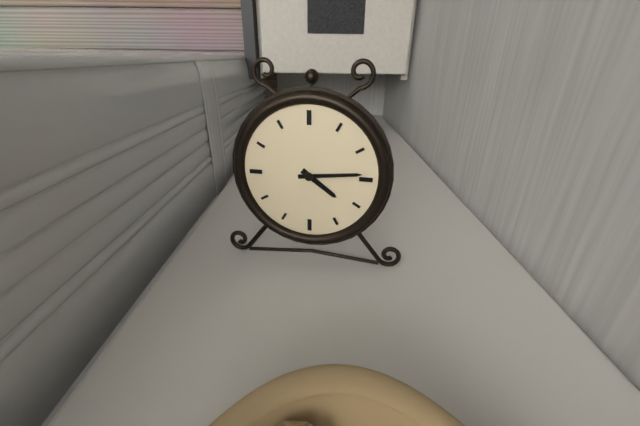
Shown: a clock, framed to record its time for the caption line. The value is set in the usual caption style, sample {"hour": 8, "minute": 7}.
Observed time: {"hour": 4, "minute": 14}
